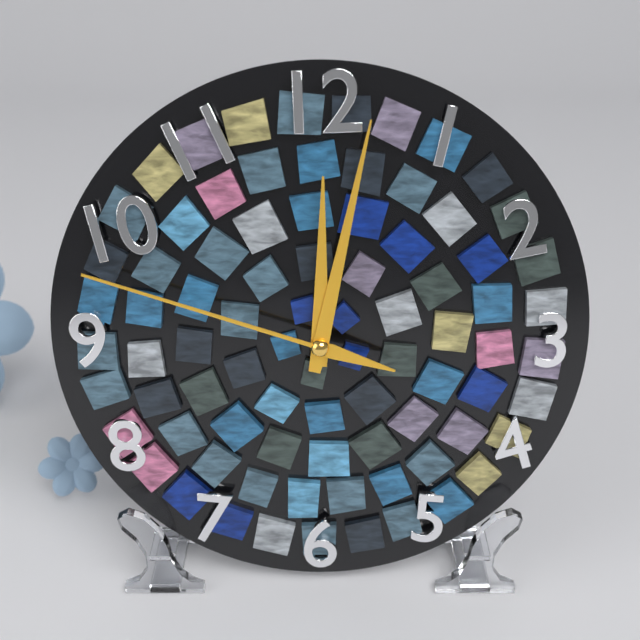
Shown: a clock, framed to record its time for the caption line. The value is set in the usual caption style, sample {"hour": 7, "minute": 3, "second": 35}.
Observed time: {"hour": 12, "minute": 2, "second": 48}
